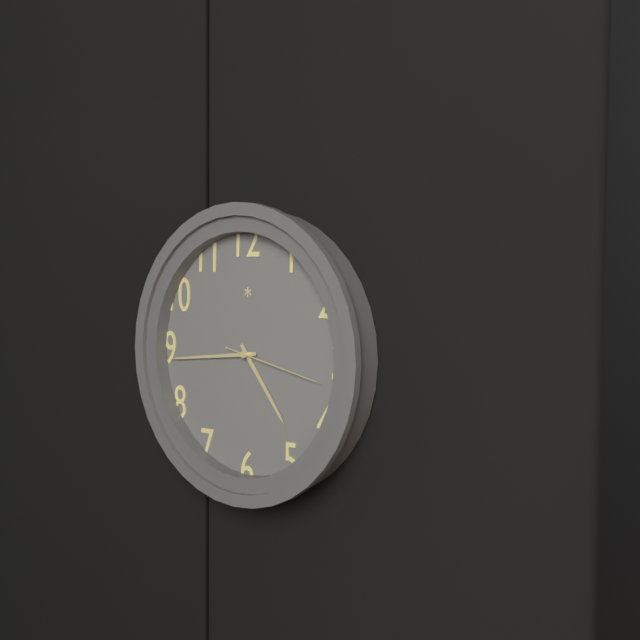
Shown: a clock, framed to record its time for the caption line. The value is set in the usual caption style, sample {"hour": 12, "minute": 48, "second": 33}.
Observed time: {"hour": 4, "minute": 44, "second": 17}
